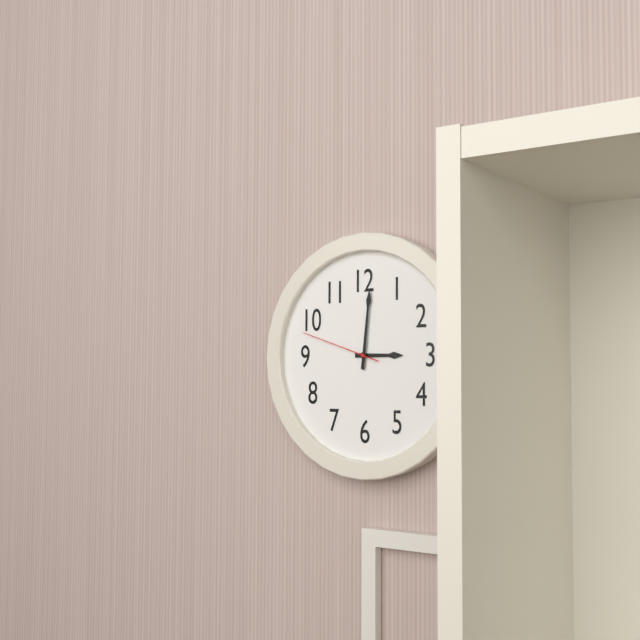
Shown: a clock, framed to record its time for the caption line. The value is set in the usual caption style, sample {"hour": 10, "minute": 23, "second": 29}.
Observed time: {"hour": 3, "minute": 1, "second": 48}
